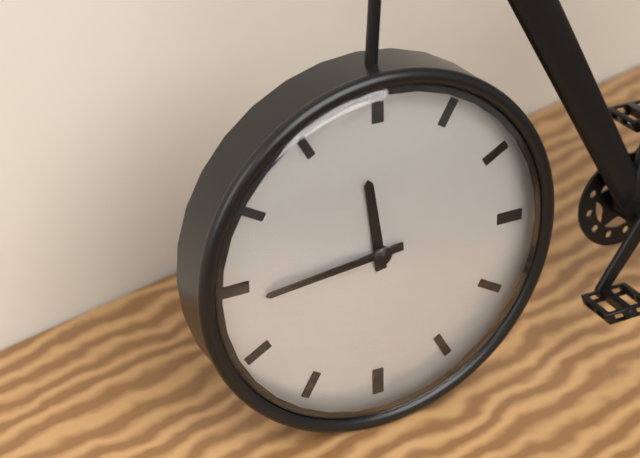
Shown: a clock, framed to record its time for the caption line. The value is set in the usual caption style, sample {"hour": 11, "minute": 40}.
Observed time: {"hour": 11, "minute": 44}
